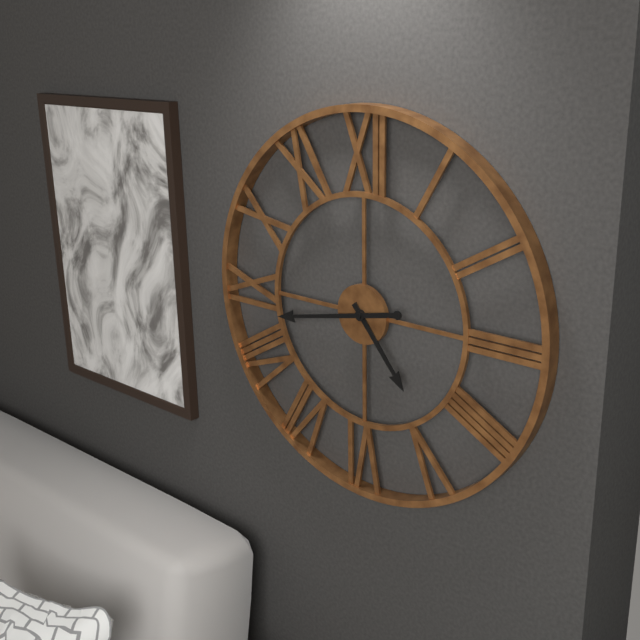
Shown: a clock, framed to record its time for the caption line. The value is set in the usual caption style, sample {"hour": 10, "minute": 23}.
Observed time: {"hour": 4, "minute": 43}
